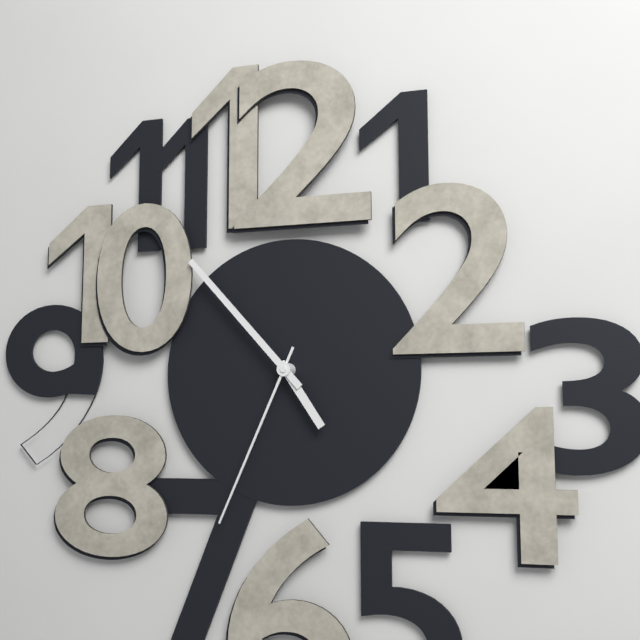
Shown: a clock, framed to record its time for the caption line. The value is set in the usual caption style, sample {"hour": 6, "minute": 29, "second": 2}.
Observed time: {"hour": 4, "minute": 53, "second": 34}
